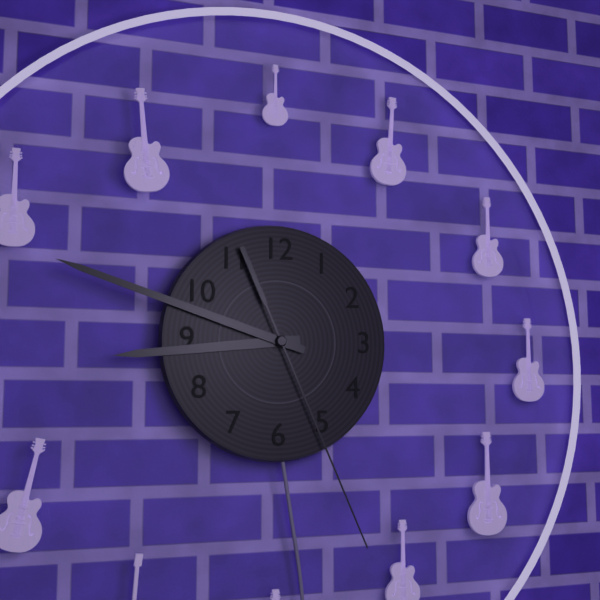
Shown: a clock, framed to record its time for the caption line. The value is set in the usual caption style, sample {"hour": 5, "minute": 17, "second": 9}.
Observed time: {"hour": 8, "minute": 48, "second": 26}
